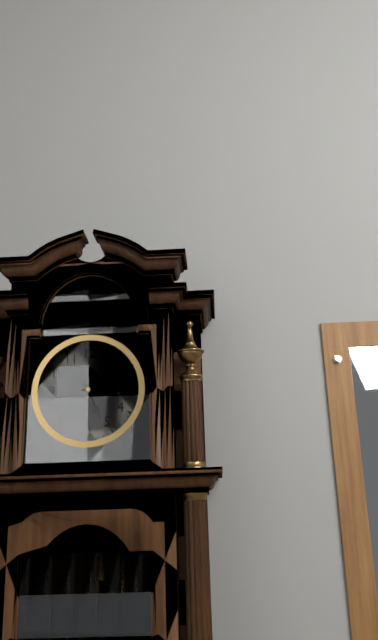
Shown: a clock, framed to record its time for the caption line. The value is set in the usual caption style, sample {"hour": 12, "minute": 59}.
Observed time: {"hour": 5, "minute": 15}
